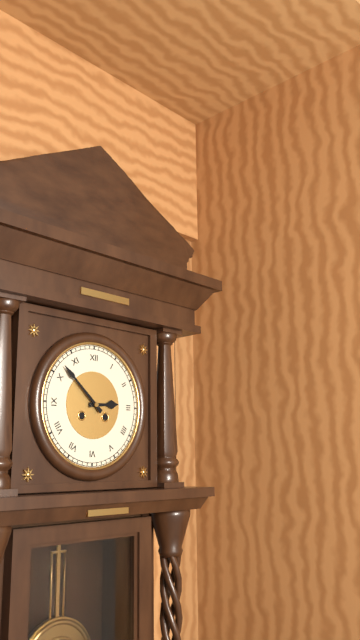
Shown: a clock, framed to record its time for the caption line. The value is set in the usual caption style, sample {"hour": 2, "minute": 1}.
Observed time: {"hour": 2, "minute": 52}
